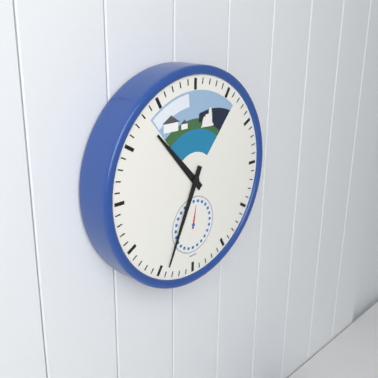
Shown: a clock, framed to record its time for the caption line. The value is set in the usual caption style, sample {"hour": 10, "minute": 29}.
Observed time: {"hour": 10, "minute": 34}
